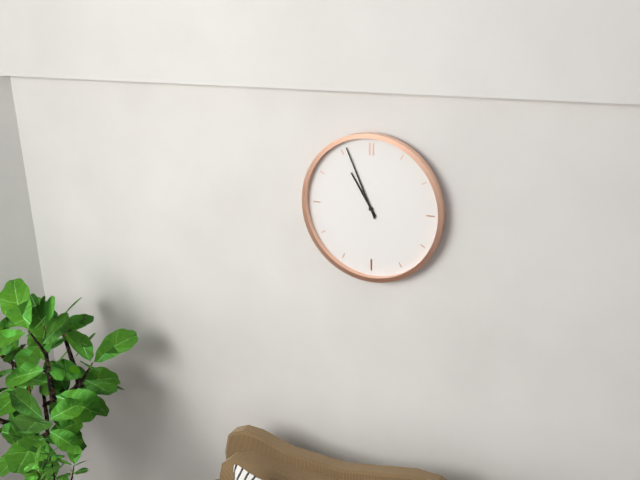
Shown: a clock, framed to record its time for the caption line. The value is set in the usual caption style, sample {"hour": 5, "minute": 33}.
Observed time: {"hour": 10, "minute": 56}
